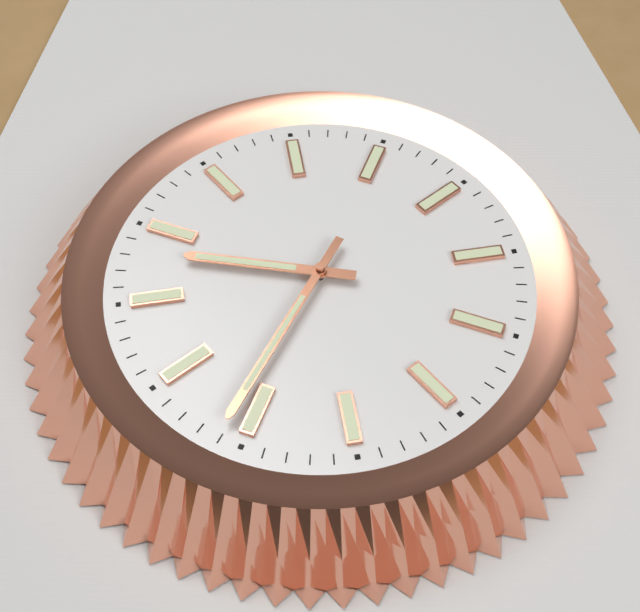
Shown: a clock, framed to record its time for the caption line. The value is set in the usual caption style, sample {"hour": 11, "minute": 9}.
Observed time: {"hour": 9, "minute": 36}
